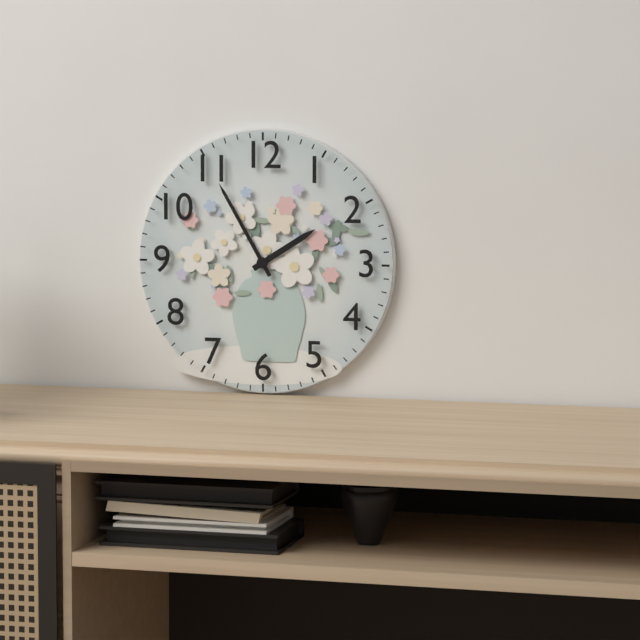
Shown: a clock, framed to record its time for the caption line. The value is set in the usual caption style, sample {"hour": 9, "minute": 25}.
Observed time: {"hour": 1, "minute": 55}
